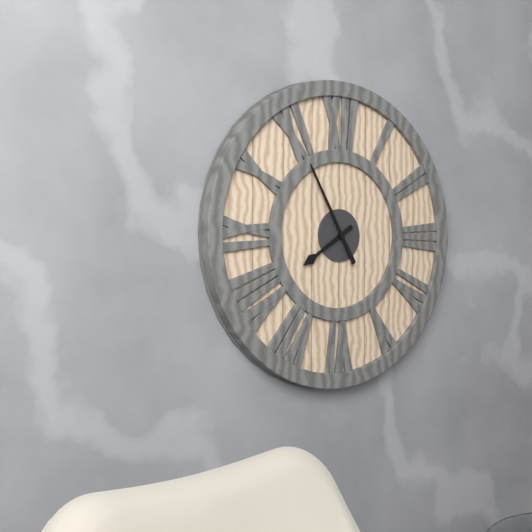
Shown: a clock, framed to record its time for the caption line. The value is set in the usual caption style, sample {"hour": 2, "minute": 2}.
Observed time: {"hour": 7, "minute": 55}
